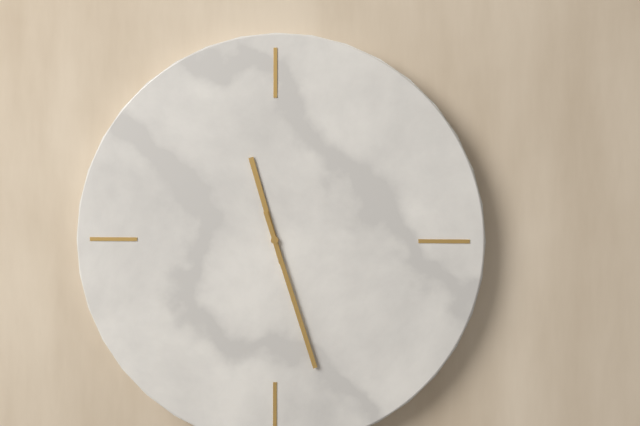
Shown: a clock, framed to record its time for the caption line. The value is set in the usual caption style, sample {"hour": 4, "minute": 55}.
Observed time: {"hour": 11, "minute": 27}
